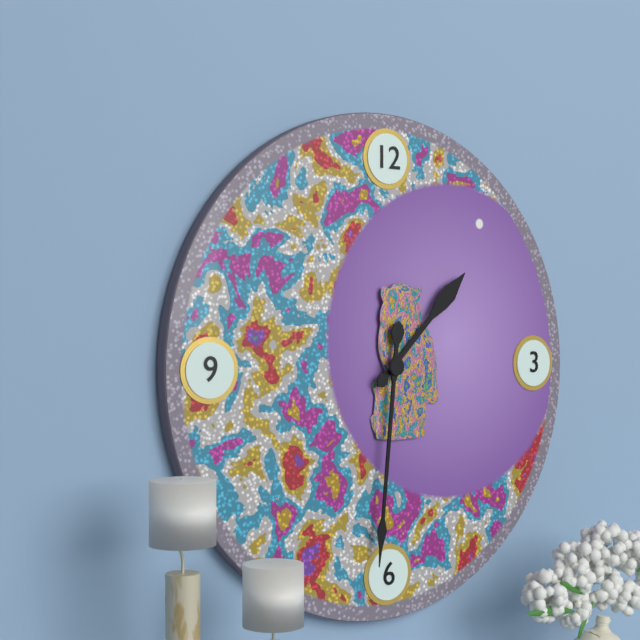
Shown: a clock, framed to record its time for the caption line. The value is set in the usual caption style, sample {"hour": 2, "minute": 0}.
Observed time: {"hour": 1, "minute": 31}
